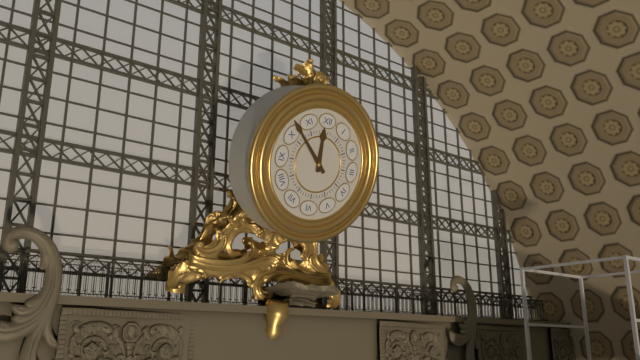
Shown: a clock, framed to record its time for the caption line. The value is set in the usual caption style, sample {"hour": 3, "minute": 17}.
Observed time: {"hour": 11, "minute": 52}
